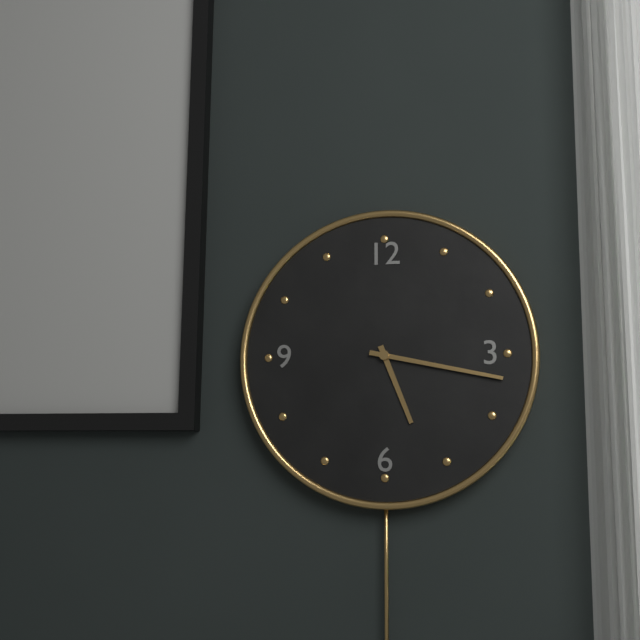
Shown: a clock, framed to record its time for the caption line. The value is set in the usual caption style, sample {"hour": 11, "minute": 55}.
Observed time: {"hour": 5, "minute": 17}
